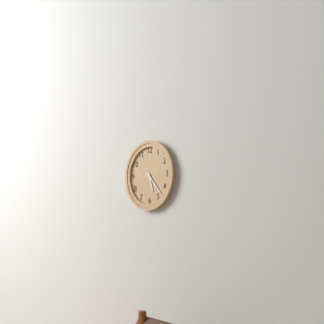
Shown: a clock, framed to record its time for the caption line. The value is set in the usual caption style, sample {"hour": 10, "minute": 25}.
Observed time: {"hour": 5, "minute": 23}
